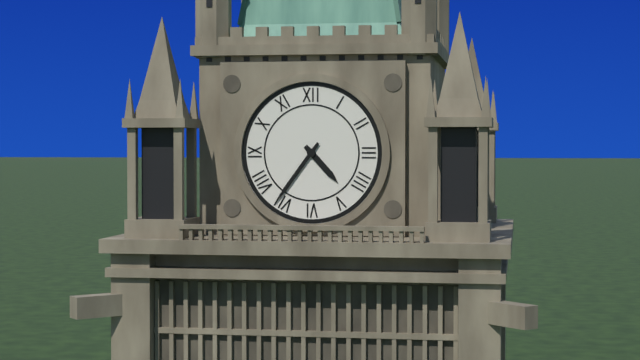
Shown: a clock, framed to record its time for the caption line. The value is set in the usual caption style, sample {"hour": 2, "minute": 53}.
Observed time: {"hour": 4, "minute": 36}
